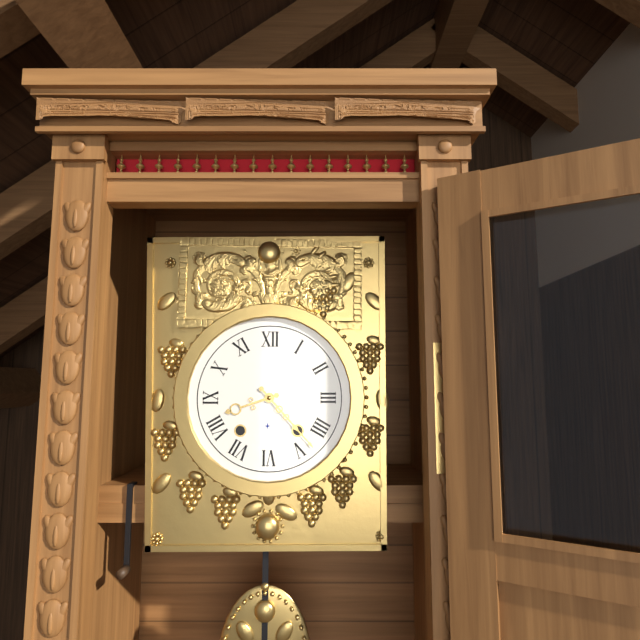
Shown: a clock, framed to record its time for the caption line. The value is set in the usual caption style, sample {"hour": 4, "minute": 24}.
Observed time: {"hour": 8, "minute": 23}
